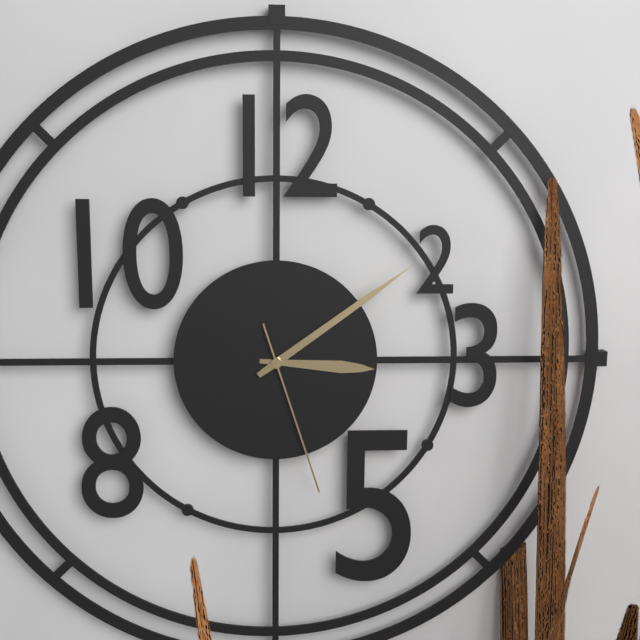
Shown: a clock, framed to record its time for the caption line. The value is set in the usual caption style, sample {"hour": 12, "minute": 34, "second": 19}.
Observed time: {"hour": 3, "minute": 9, "second": 27}
